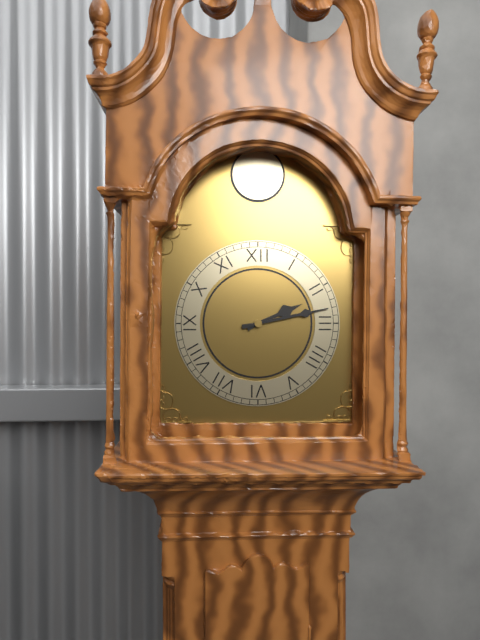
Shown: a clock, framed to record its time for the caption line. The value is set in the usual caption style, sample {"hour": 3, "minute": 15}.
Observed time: {"hour": 2, "minute": 13}
